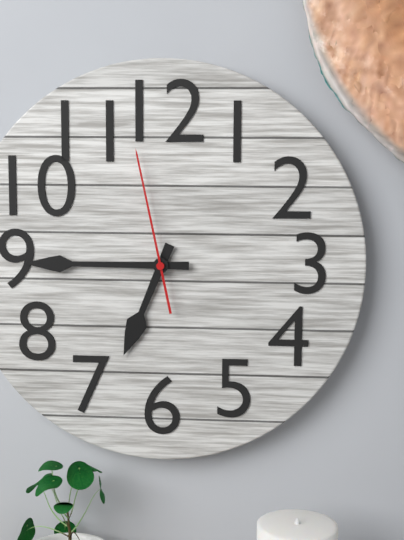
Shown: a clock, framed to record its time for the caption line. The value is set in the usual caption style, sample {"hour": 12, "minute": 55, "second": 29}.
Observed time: {"hour": 6, "minute": 45, "second": 58}
